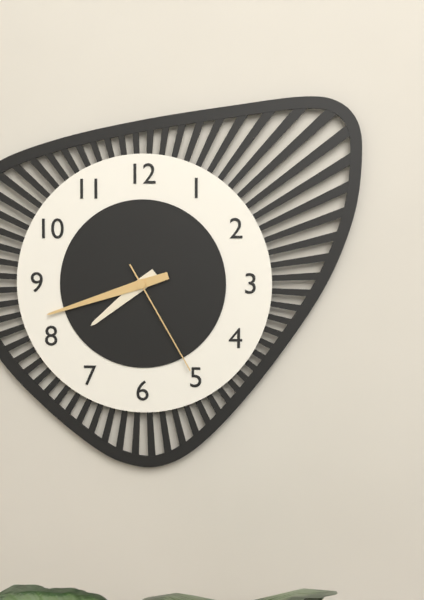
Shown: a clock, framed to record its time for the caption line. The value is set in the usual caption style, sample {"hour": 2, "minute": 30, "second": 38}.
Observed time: {"hour": 7, "minute": 42, "second": 25}
